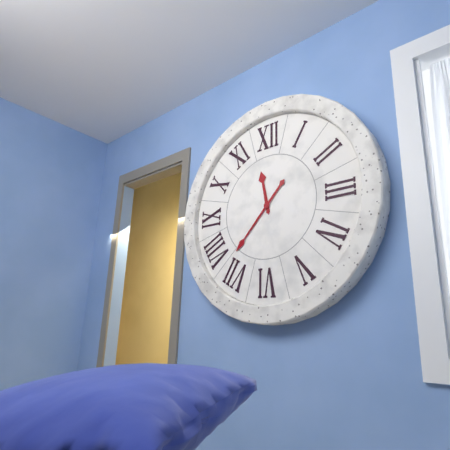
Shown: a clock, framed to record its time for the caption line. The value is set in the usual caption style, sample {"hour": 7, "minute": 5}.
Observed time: {"hour": 11, "minute": 37}
